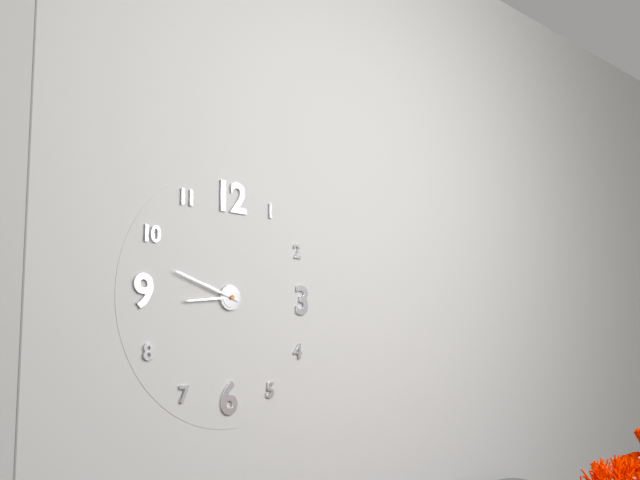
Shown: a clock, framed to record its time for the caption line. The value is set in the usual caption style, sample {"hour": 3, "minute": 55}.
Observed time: {"hour": 8, "minute": 48}
